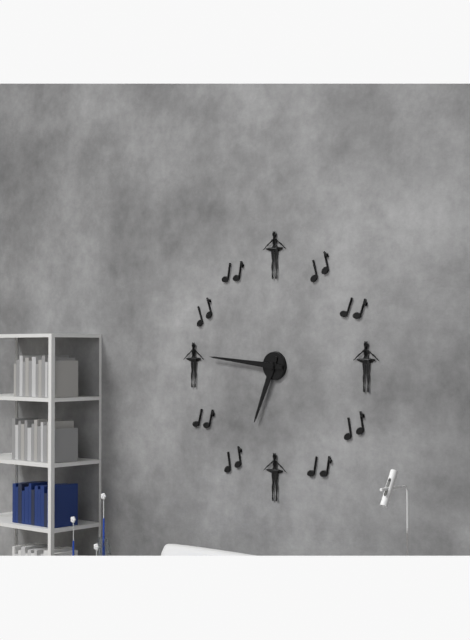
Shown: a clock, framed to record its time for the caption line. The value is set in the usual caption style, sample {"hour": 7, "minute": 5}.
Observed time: {"hour": 6, "minute": 46}
